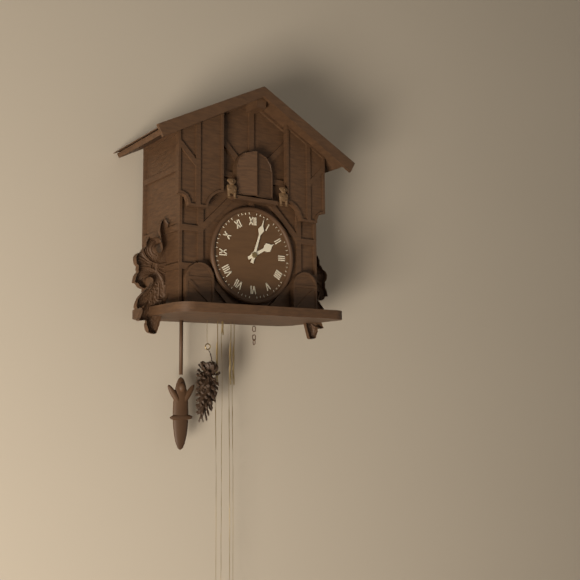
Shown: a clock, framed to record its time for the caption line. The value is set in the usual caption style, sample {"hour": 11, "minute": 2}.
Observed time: {"hour": 2, "minute": 3}
